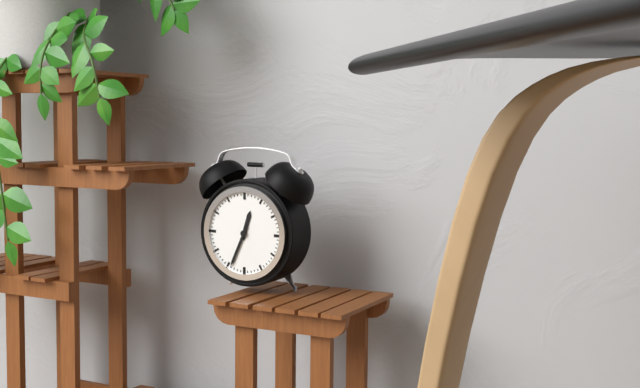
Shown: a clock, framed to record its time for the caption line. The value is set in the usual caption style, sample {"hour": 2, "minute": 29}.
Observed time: {"hour": 12, "minute": 34}
